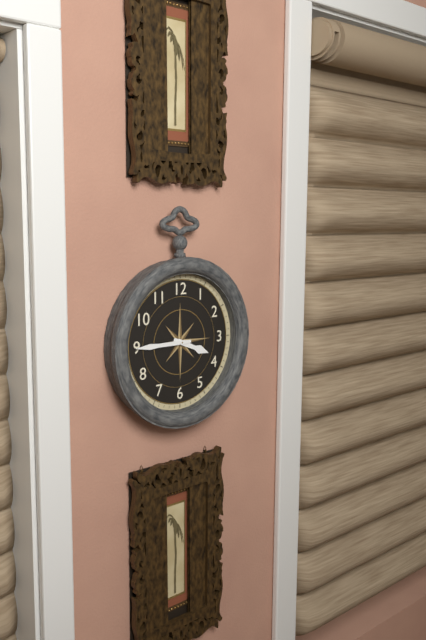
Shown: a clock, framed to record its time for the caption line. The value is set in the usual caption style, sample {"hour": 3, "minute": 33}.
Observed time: {"hour": 3, "minute": 45}
